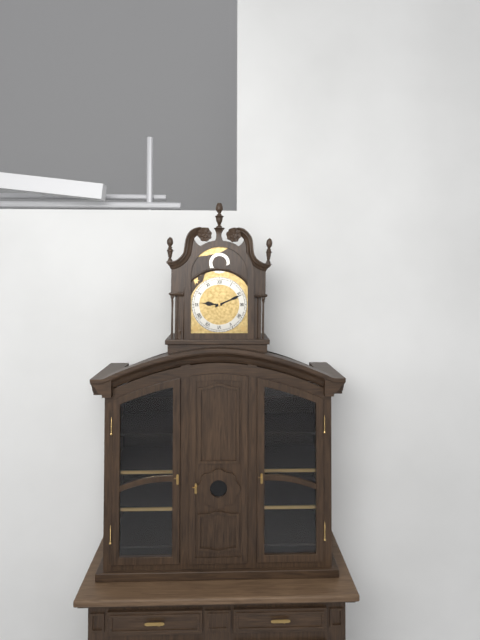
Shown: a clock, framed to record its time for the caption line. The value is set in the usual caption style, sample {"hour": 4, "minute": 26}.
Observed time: {"hour": 9, "minute": 11}
